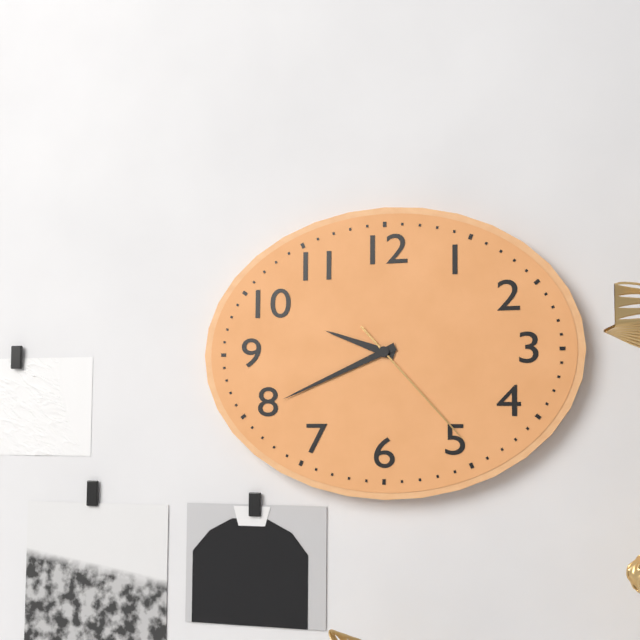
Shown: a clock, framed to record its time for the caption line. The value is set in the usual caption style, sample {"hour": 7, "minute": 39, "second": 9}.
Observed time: {"hour": 9, "minute": 41, "second": 23}
